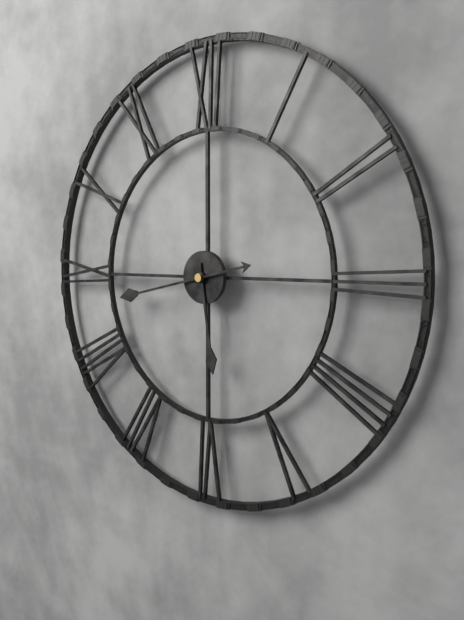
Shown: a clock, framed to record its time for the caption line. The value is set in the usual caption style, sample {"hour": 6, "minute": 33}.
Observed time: {"hour": 5, "minute": 43}
